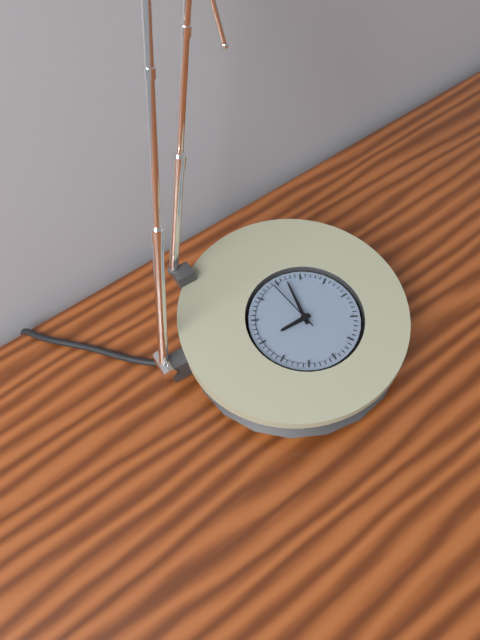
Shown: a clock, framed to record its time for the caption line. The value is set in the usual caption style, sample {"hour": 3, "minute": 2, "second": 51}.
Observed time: {"hour": 9, "minute": 2, "second": 59}
